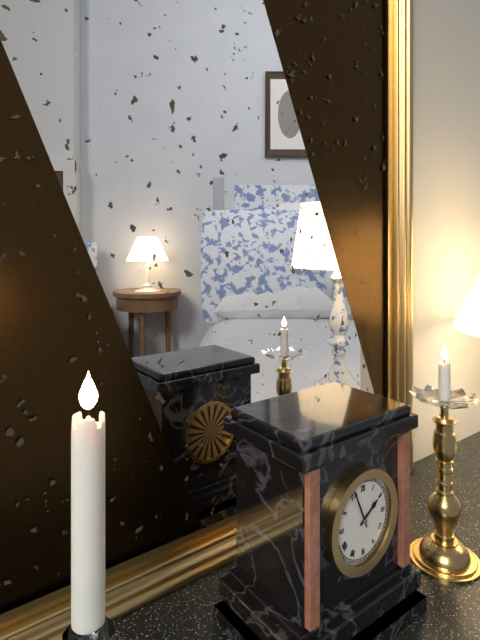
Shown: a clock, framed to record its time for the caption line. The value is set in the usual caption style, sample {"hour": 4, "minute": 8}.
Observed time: {"hour": 1, "minute": 56}
